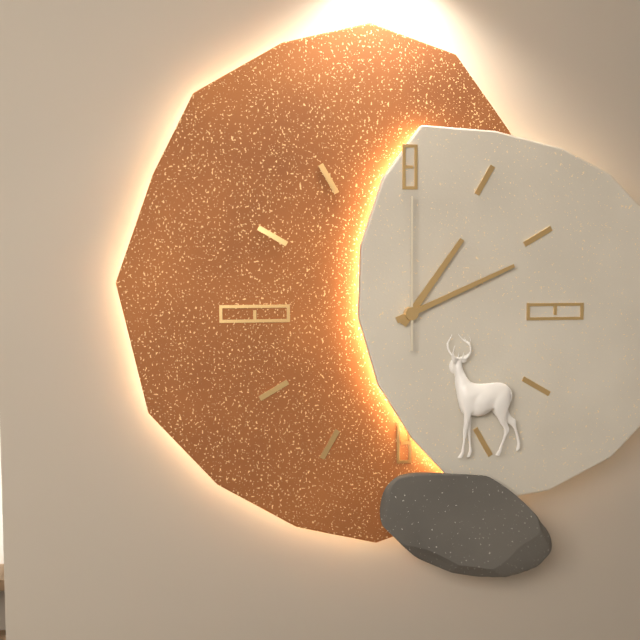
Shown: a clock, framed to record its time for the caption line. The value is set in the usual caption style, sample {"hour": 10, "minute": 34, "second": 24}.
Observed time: {"hour": 1, "minute": 11, "second": 0}
